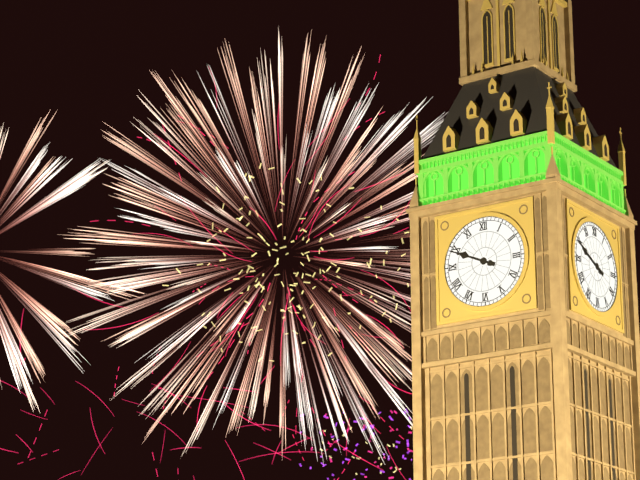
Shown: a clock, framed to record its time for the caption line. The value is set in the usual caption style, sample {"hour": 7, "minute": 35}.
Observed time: {"hour": 9, "minute": 49}
